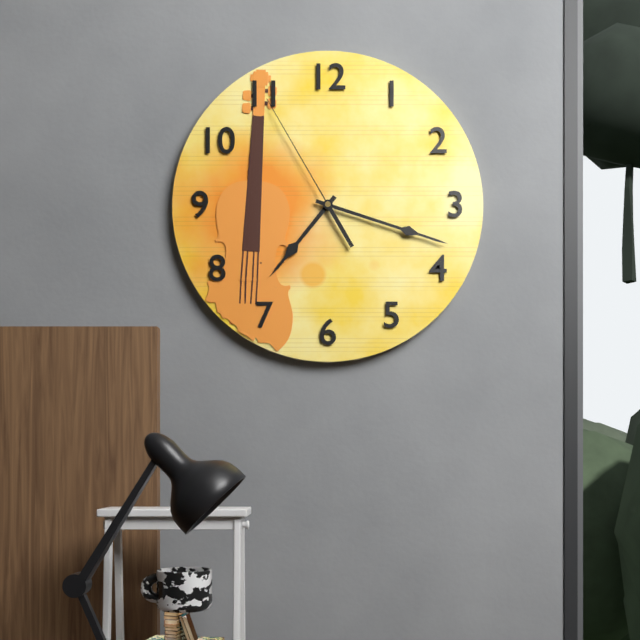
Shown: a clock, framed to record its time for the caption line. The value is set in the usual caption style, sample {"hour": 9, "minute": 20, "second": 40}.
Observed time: {"hour": 7, "minute": 18, "second": 55}
